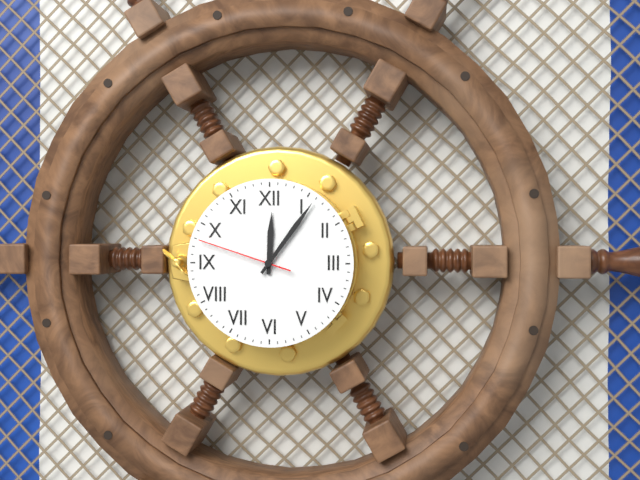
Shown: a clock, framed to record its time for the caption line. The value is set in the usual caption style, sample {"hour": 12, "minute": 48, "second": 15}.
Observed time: {"hour": 12, "minute": 6, "second": 48}
